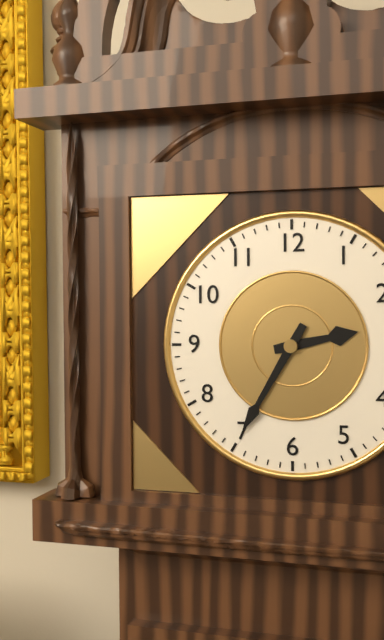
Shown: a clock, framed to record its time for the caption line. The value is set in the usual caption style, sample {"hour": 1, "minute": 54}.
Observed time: {"hour": 2, "minute": 35}
